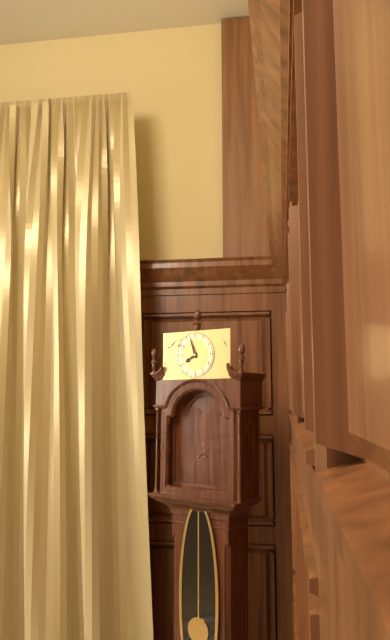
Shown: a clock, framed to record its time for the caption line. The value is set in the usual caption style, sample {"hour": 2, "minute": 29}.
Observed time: {"hour": 7, "minute": 57}
